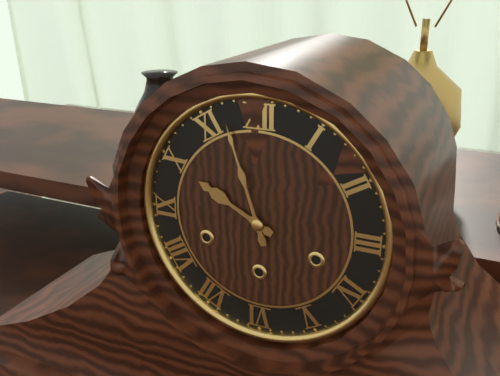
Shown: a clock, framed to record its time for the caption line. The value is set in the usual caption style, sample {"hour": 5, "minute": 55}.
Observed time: {"hour": 9, "minute": 57}
